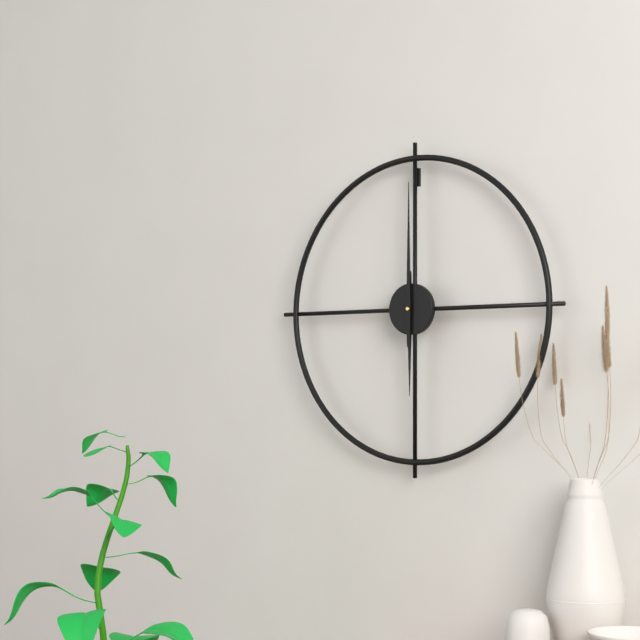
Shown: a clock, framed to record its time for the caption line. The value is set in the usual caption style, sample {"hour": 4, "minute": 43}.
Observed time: {"hour": 6, "minute": 0}
